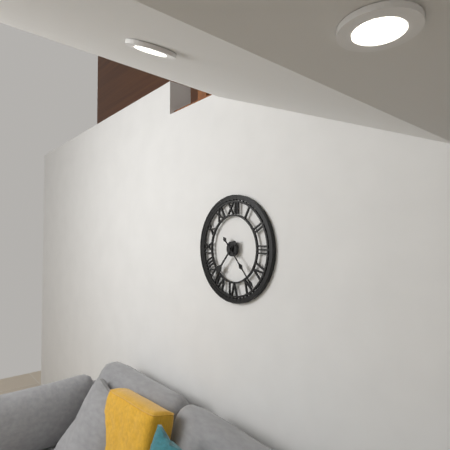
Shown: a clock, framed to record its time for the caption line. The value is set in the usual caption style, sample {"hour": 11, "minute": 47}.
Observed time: {"hour": 7, "minute": 23}
